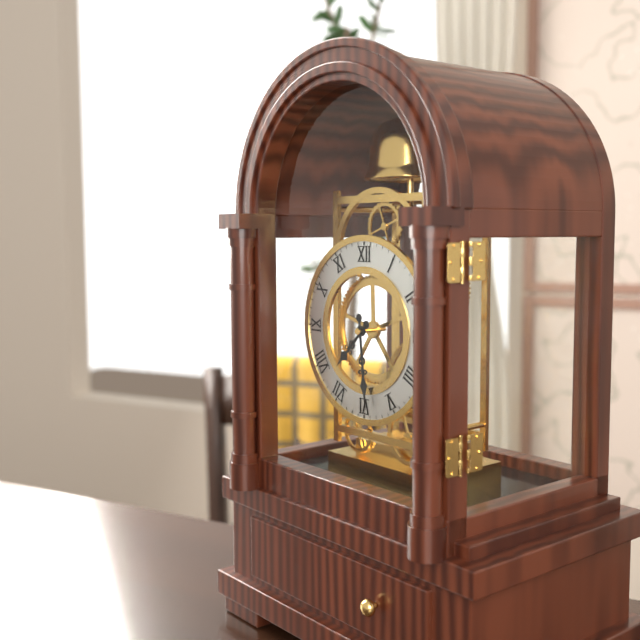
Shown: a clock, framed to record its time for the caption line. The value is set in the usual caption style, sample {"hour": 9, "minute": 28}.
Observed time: {"hour": 7, "minute": 29}
